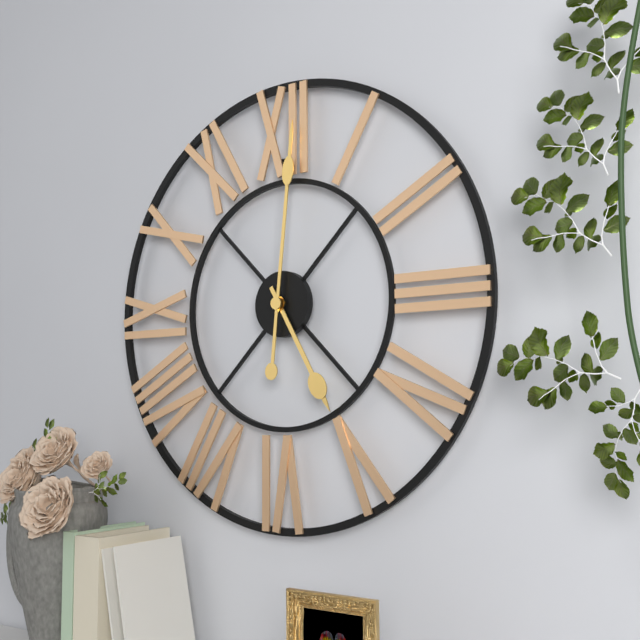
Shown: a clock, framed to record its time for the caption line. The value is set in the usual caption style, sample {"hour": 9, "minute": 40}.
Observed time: {"hour": 5, "minute": 1}
